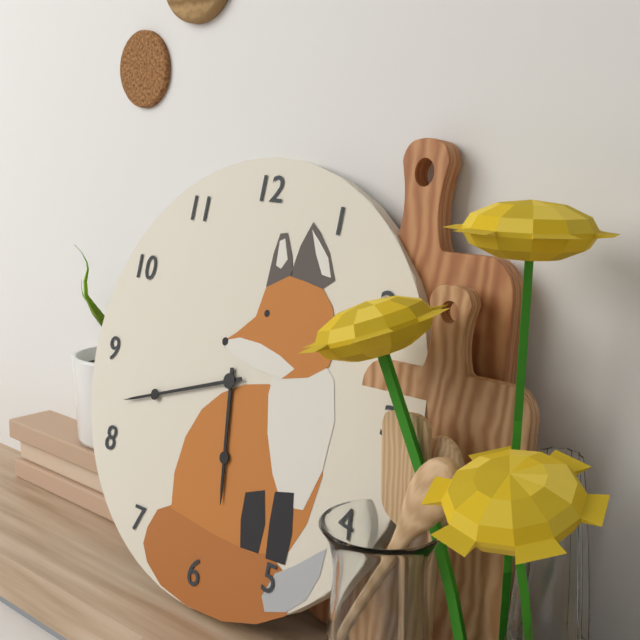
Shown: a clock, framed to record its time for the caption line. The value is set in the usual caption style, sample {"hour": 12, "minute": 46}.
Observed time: {"hour": 5, "minute": 42}
